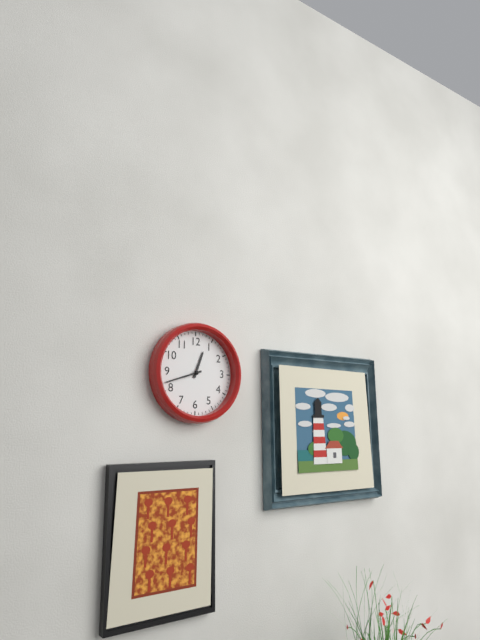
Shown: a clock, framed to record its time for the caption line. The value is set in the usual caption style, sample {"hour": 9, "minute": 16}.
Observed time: {"hour": 12, "minute": 42}
